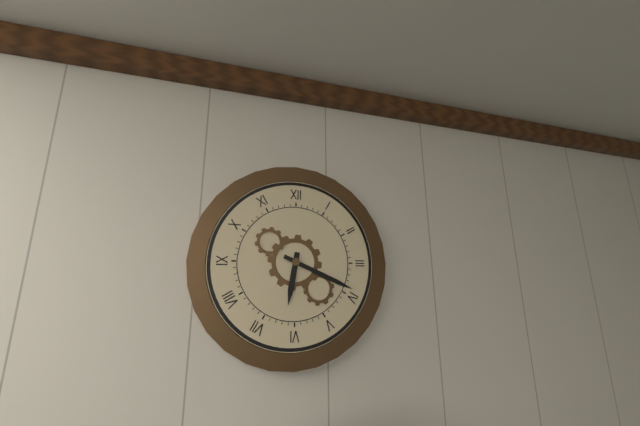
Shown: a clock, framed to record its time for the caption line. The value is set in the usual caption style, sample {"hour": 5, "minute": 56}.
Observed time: {"hour": 6, "minute": 19}
